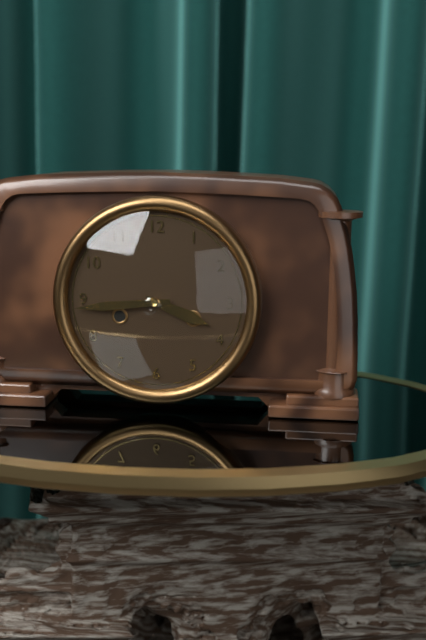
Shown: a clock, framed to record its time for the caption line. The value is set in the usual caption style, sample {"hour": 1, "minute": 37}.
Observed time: {"hour": 3, "minute": 44}
